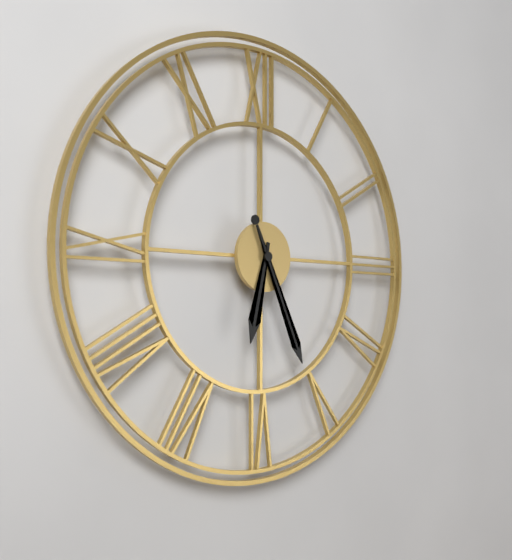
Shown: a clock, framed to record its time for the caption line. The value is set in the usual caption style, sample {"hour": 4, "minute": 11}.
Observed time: {"hour": 6, "minute": 26}
